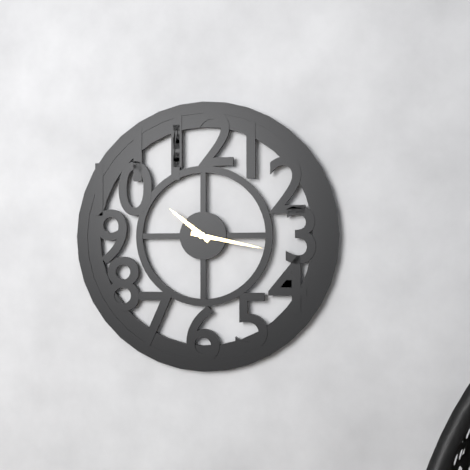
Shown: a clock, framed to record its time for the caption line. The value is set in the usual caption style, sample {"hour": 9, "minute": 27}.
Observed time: {"hour": 10, "minute": 17}
